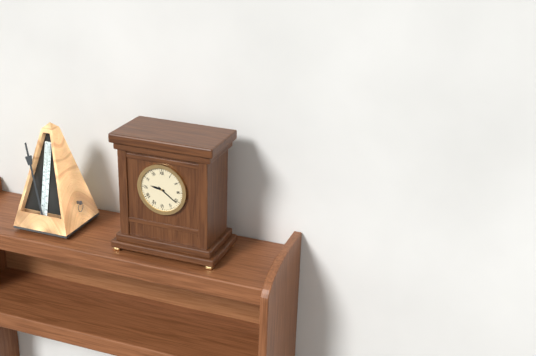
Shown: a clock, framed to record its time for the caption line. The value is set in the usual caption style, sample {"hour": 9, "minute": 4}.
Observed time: {"hour": 9, "minute": 21}
